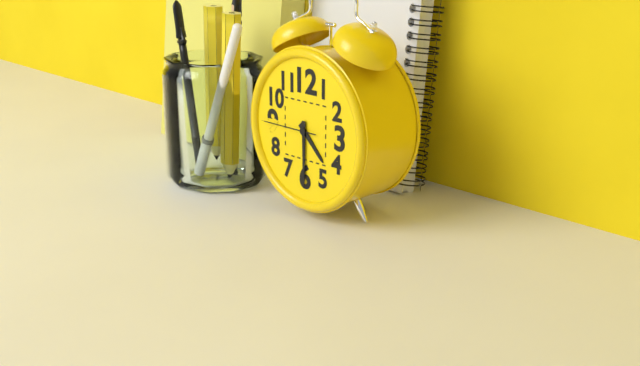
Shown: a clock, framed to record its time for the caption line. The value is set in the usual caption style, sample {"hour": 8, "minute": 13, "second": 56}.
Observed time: {"hour": 4, "minute": 30, "second": 45}
